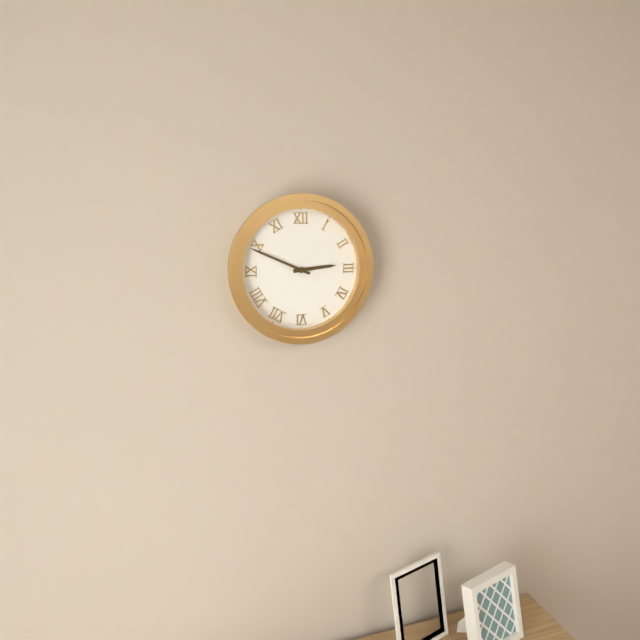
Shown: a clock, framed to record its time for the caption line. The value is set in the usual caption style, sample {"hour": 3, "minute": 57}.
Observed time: {"hour": 2, "minute": 49}
